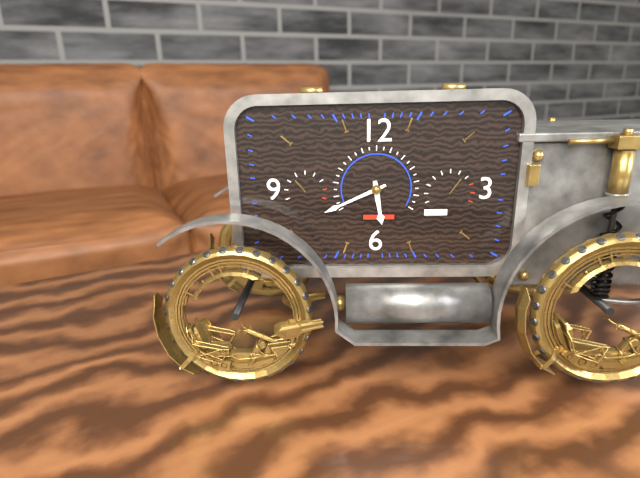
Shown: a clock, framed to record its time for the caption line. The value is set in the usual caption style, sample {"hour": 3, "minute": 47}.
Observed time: {"hour": 5, "minute": 41}
